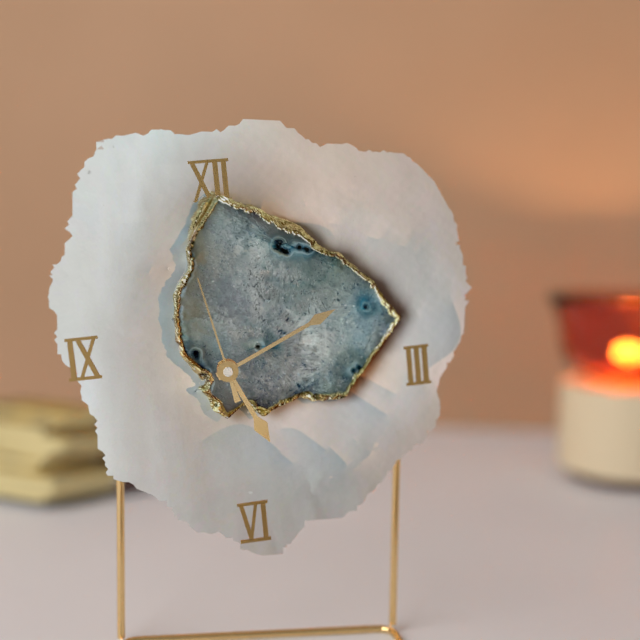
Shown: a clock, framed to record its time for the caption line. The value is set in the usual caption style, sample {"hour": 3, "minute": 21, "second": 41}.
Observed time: {"hour": 5, "minute": 11, "second": 58}
